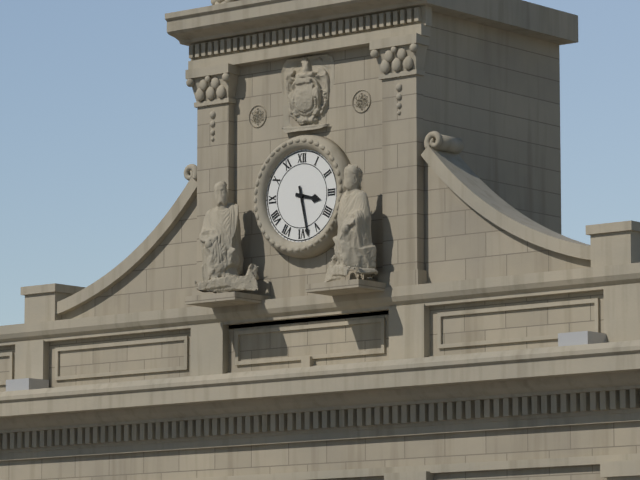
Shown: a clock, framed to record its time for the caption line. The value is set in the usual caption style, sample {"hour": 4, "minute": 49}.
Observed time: {"hour": 3, "minute": 28}
